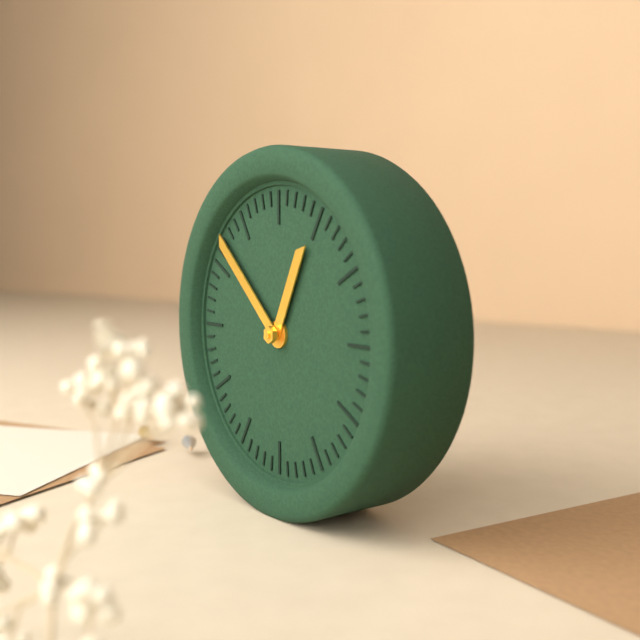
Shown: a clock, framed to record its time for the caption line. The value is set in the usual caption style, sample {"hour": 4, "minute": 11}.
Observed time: {"hour": 12, "minute": 52}
